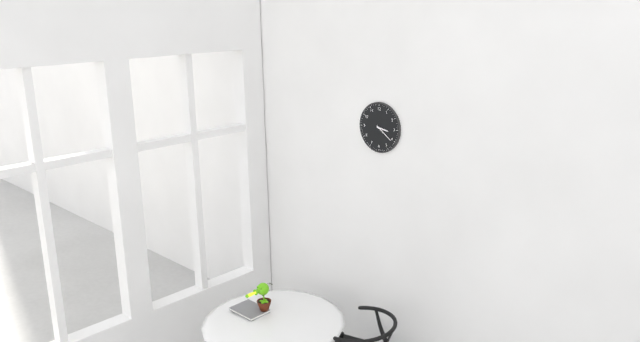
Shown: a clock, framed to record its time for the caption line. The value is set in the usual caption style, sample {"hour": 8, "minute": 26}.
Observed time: {"hour": 3, "minute": 21}
